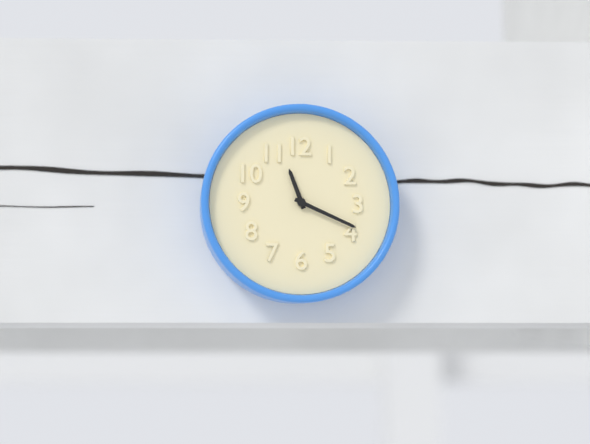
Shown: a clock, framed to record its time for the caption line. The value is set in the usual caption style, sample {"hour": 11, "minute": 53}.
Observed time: {"hour": 11, "minute": 19}
